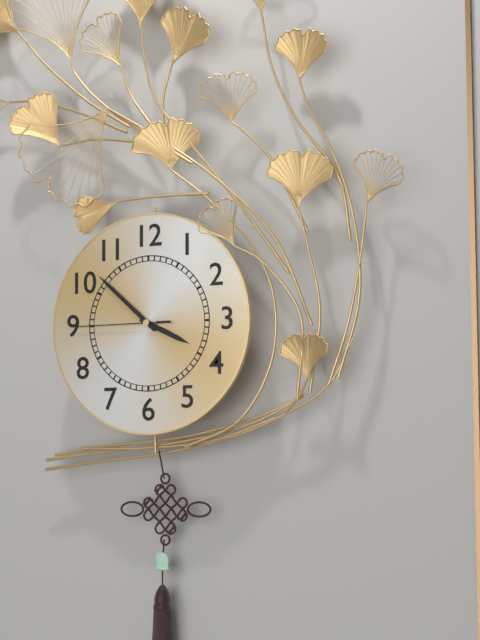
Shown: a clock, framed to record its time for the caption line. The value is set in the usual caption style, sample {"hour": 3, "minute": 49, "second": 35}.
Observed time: {"hour": 3, "minute": 52, "second": 45}
